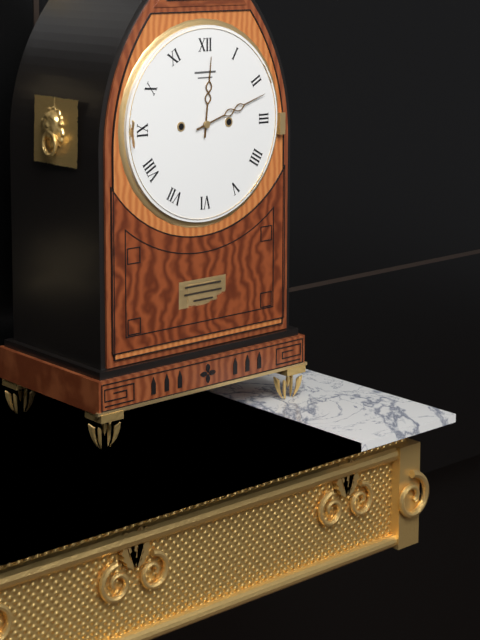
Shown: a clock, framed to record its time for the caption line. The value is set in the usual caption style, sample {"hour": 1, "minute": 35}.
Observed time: {"hour": 12, "minute": 12}
